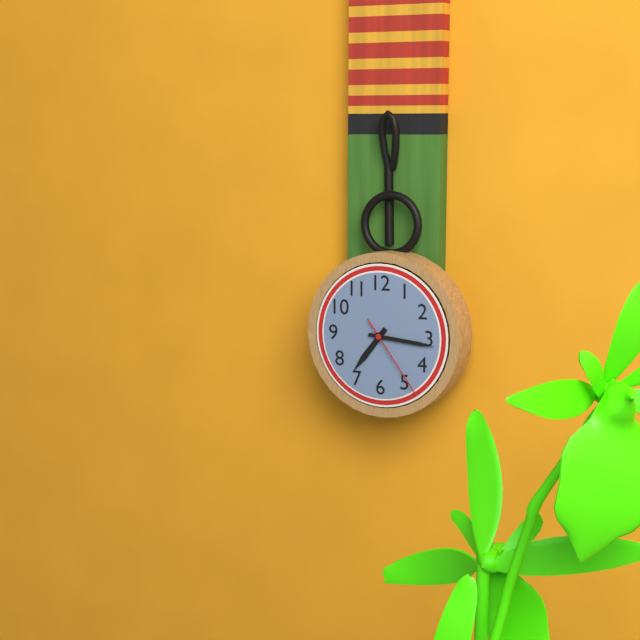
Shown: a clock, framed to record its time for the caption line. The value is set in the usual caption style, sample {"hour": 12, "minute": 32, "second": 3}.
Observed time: {"hour": 7, "minute": 16, "second": 24}
